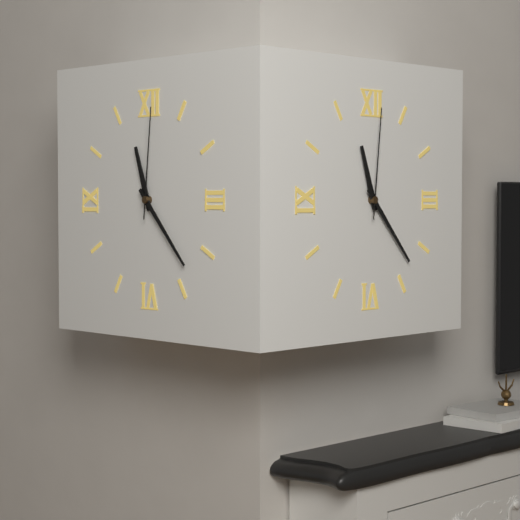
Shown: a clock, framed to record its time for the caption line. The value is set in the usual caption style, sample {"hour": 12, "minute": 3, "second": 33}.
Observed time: {"hour": 11, "minute": 23, "second": 1}
